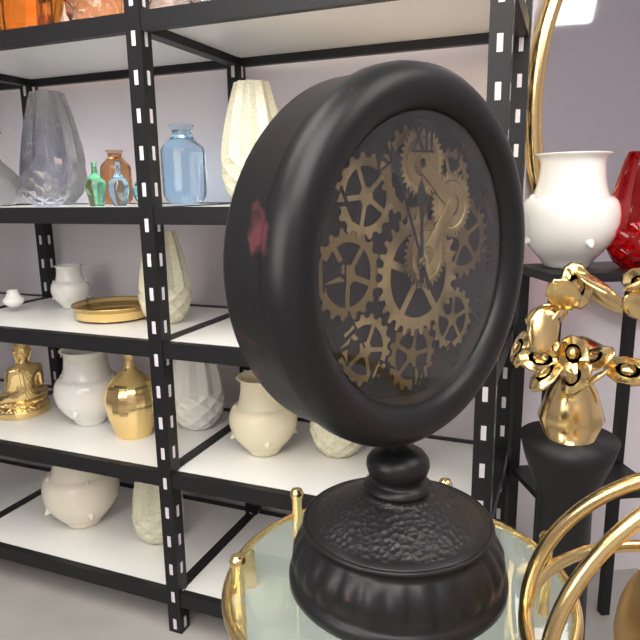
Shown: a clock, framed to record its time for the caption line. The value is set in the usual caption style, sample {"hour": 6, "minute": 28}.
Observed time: {"hour": 11, "minute": 56}
